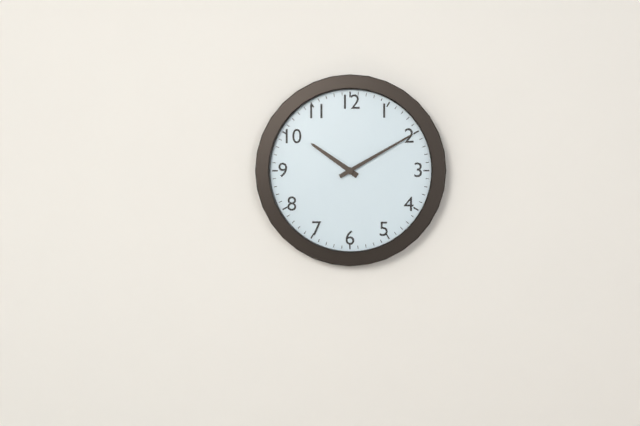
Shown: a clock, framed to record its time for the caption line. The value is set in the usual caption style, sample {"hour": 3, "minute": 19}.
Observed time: {"hour": 10, "minute": 10}
